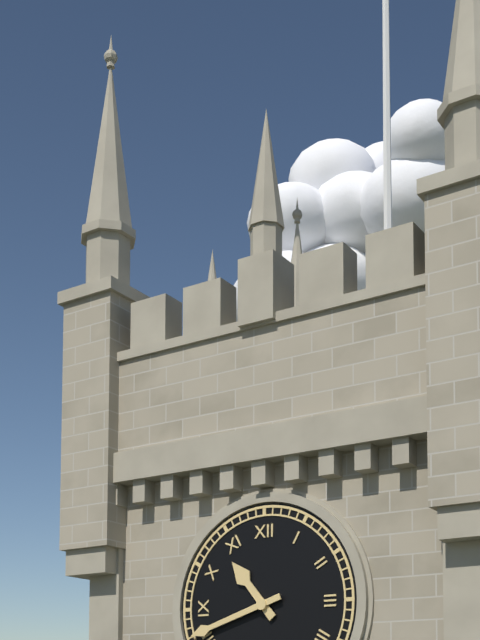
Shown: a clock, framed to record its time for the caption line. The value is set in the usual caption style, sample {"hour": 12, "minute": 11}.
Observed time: {"hour": 10, "minute": 42}
